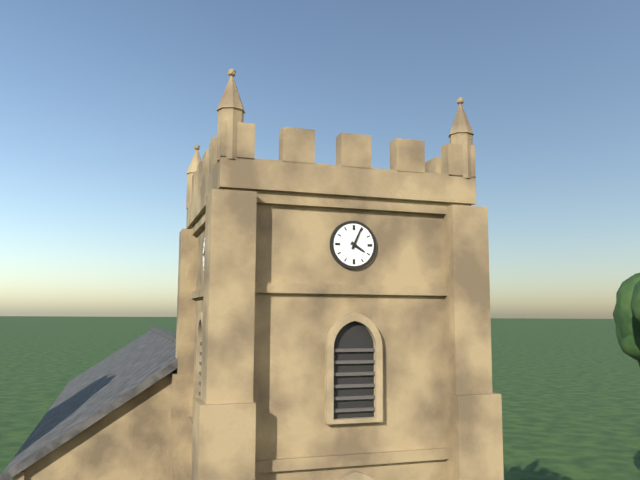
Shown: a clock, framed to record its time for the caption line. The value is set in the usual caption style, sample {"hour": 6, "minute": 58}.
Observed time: {"hour": 4, "minute": 4}
